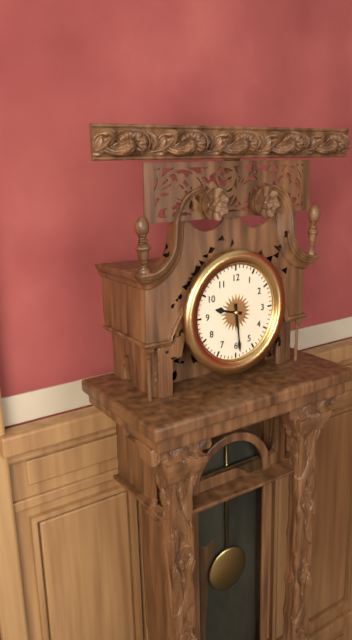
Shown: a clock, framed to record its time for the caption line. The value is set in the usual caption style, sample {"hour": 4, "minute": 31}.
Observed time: {"hour": 9, "minute": 29}
